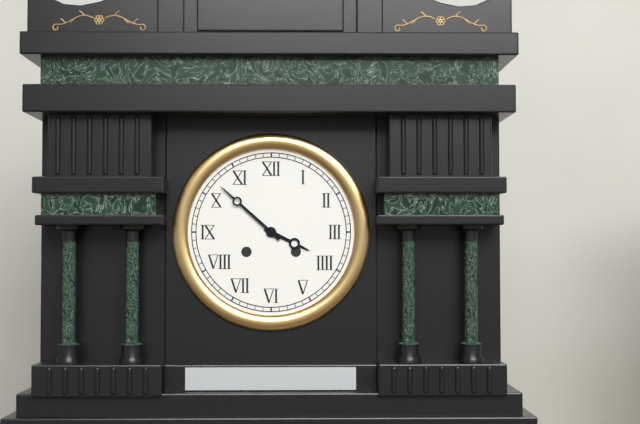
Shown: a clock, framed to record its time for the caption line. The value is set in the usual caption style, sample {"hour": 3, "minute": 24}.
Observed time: {"hour": 3, "minute": 52}
